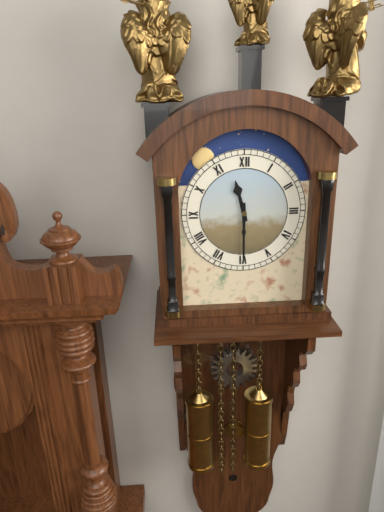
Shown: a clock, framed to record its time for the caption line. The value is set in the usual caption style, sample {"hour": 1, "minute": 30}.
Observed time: {"hour": 11, "minute": 30}
